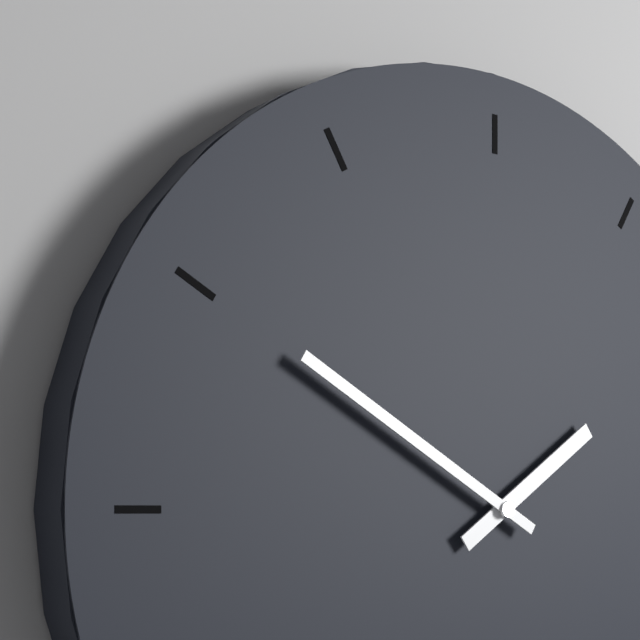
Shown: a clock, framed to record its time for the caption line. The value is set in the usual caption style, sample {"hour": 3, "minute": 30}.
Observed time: {"hour": 1, "minute": 50}
